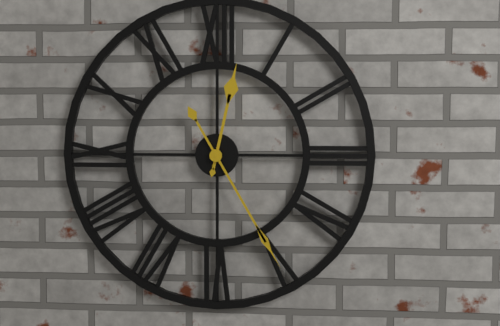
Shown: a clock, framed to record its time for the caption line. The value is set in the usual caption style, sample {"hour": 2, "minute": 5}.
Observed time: {"hour": 12, "minute": 25}
